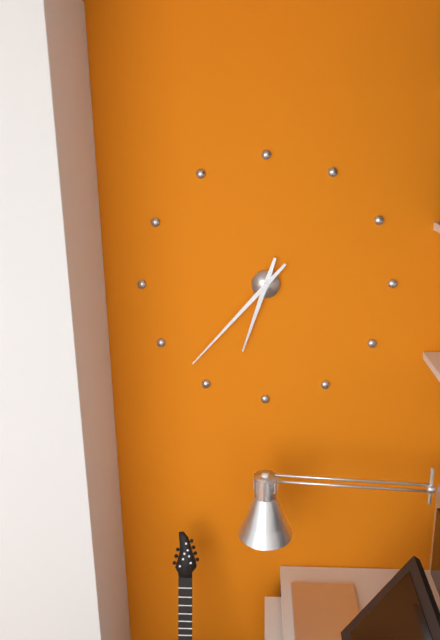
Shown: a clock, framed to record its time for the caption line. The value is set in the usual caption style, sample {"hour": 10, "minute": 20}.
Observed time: {"hour": 6, "minute": 37}
